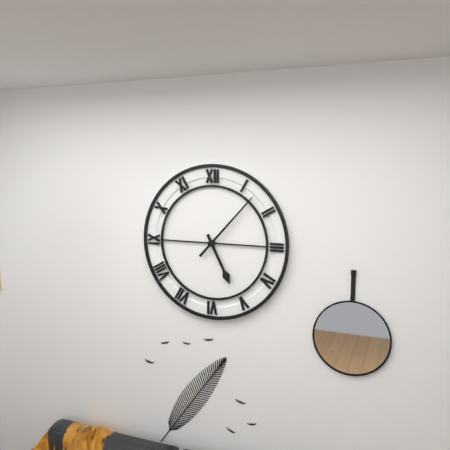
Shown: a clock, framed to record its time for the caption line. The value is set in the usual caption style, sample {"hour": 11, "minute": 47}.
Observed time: {"hour": 5, "minute": 7}
